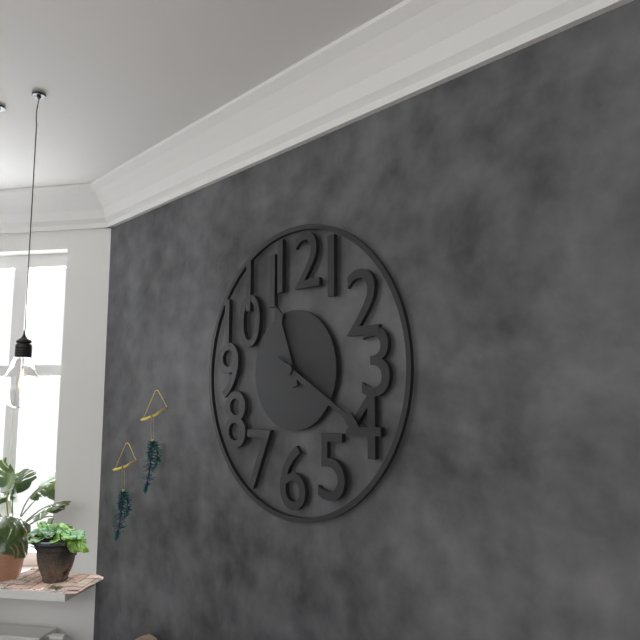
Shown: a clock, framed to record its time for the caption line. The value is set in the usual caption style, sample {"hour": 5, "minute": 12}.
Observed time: {"hour": 11, "minute": 20}
